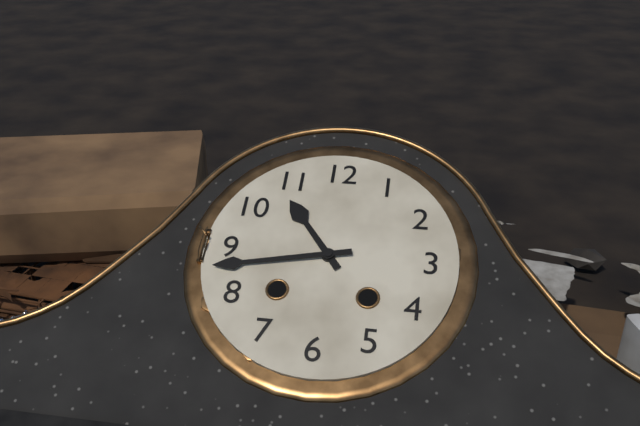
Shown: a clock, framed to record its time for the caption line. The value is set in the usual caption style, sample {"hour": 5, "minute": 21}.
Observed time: {"hour": 10, "minute": 43}
